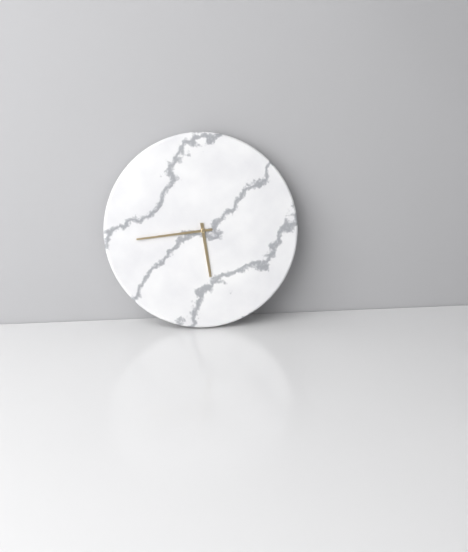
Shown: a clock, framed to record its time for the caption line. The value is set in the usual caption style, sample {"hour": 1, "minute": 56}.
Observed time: {"hour": 5, "minute": 44}
